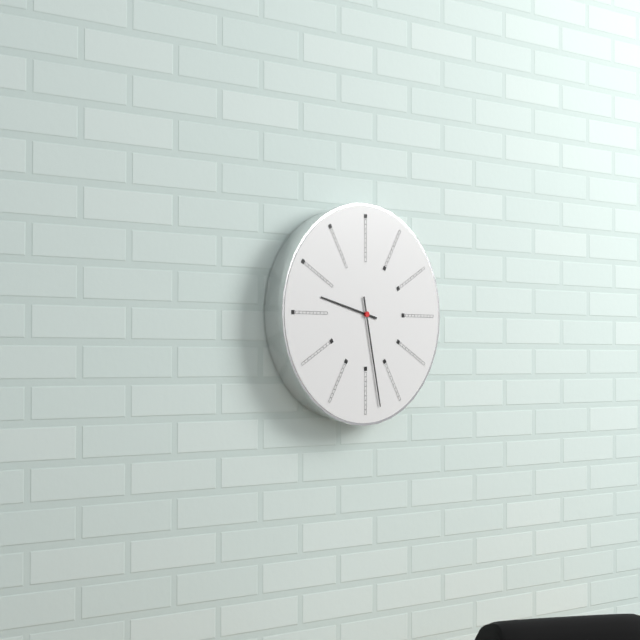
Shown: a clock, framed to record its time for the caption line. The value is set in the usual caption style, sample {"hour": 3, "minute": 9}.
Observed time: {"hour": 9, "minute": 28}
